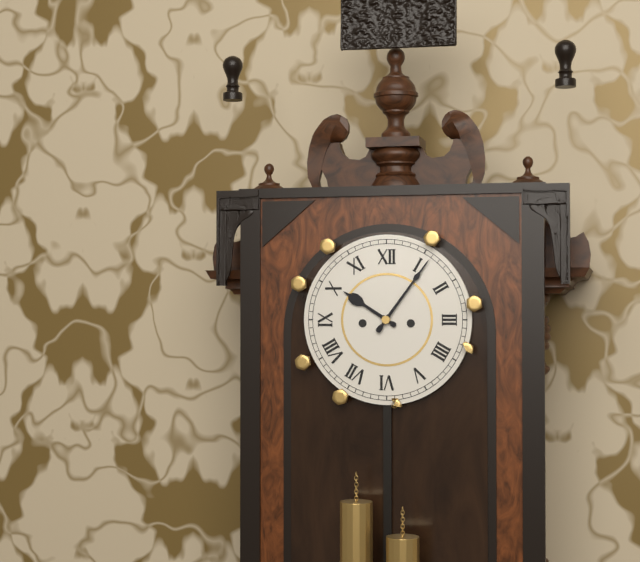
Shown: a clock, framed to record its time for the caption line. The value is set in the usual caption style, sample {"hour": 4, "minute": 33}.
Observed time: {"hour": 10, "minute": 6}
